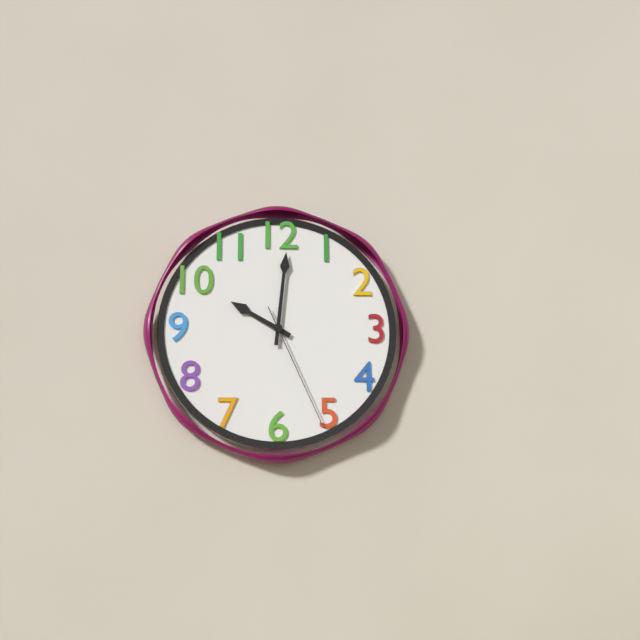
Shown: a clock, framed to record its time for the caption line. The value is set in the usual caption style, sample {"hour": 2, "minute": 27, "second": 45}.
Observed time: {"hour": 10, "minute": 1, "second": 26}
